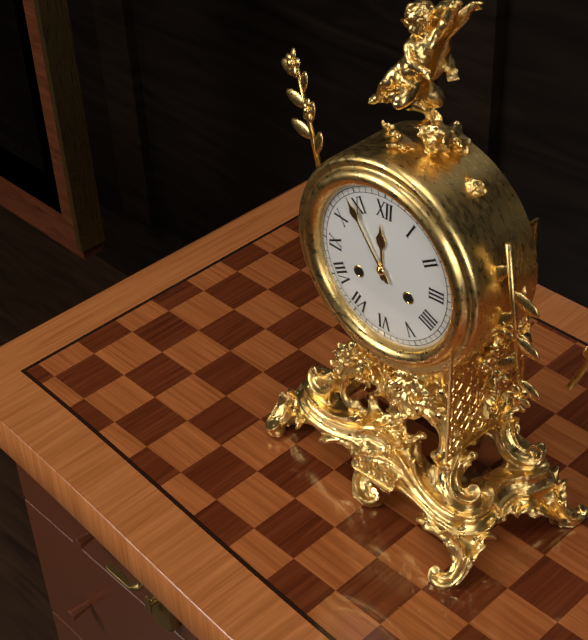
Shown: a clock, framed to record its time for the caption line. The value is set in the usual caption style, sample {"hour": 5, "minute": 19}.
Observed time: {"hour": 11, "minute": 54}
